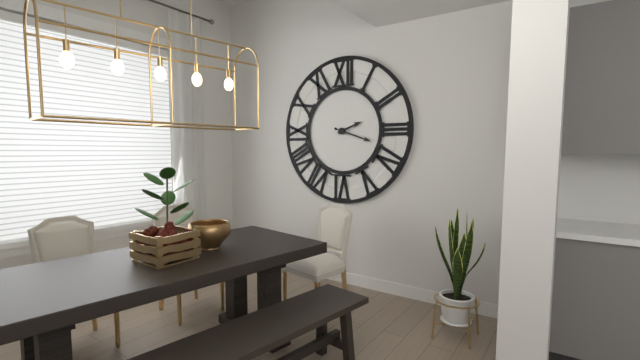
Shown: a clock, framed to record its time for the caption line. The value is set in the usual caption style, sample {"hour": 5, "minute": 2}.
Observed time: {"hour": 2, "minute": 18}
